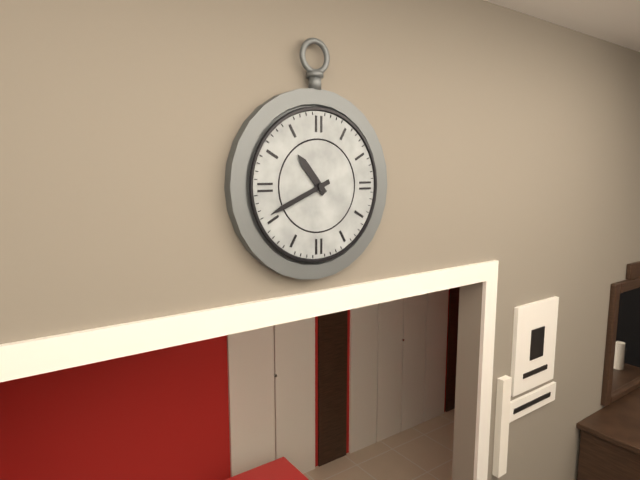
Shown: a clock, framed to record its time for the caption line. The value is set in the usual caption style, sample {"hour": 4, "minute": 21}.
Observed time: {"hour": 10, "minute": 41}
